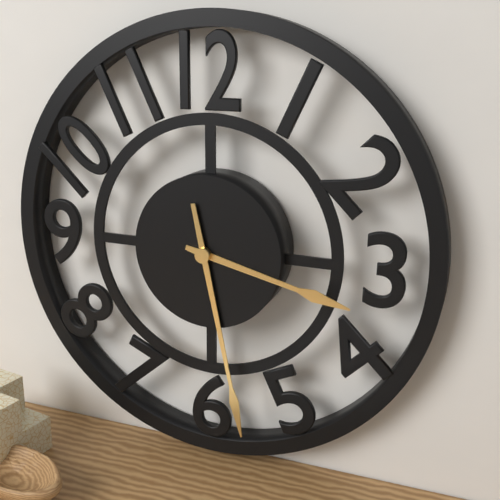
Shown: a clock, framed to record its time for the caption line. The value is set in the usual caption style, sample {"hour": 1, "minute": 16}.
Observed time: {"hour": 3, "minute": 28}
